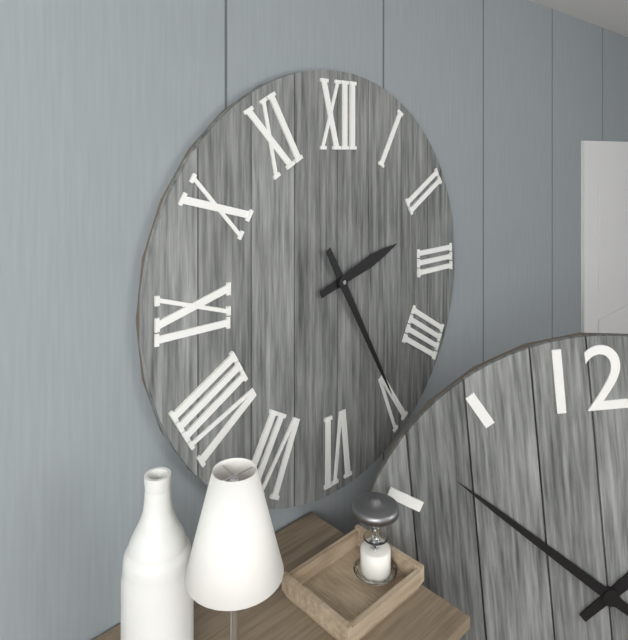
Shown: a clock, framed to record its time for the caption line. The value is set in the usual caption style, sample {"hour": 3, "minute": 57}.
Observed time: {"hour": 2, "minute": 25}
